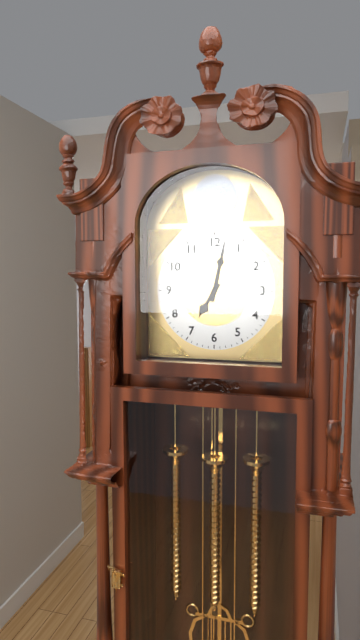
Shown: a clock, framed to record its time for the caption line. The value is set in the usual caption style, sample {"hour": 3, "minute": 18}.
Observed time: {"hour": 7, "minute": 2}
